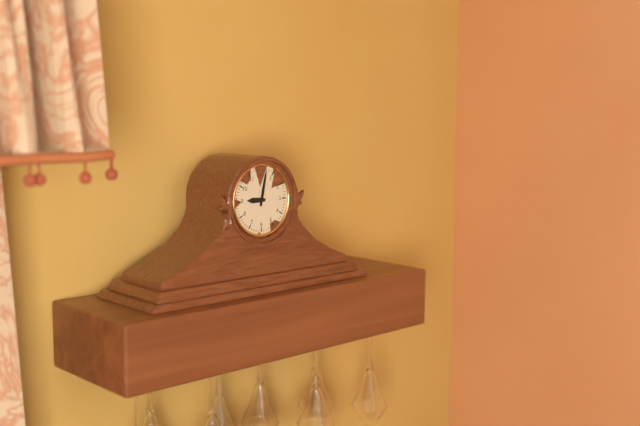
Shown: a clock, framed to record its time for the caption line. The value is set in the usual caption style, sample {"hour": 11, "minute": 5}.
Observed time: {"hour": 9, "minute": 2}
